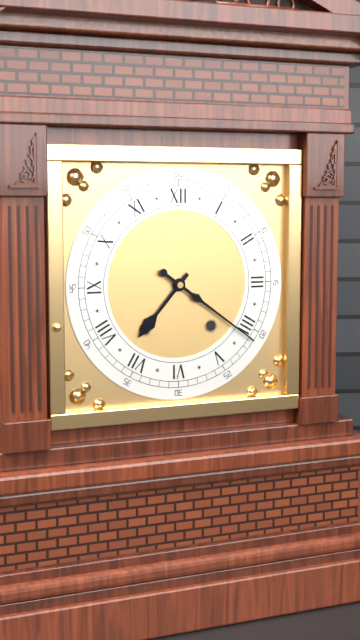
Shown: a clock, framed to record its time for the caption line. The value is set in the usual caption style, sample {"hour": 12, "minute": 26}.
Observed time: {"hour": 7, "minute": 21}
